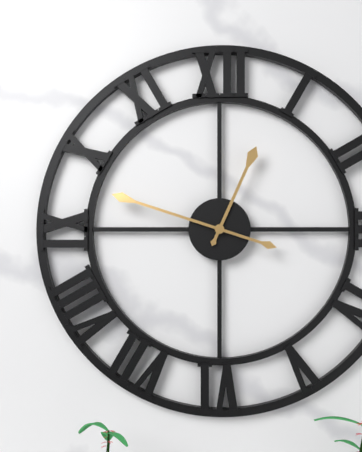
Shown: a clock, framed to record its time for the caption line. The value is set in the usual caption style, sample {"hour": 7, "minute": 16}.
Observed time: {"hour": 12, "minute": 48}
